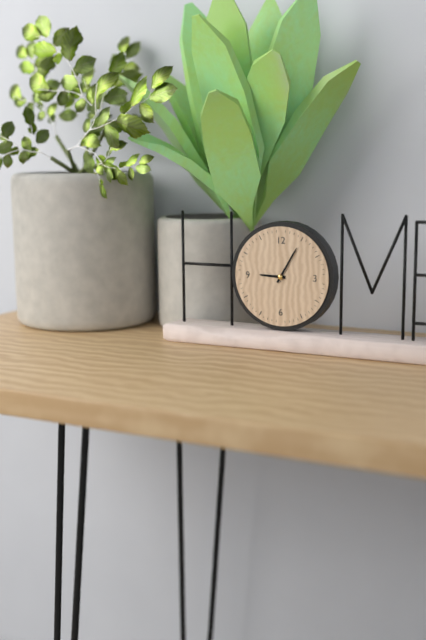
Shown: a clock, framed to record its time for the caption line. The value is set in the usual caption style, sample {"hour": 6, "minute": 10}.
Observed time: {"hour": 9, "minute": 5}
